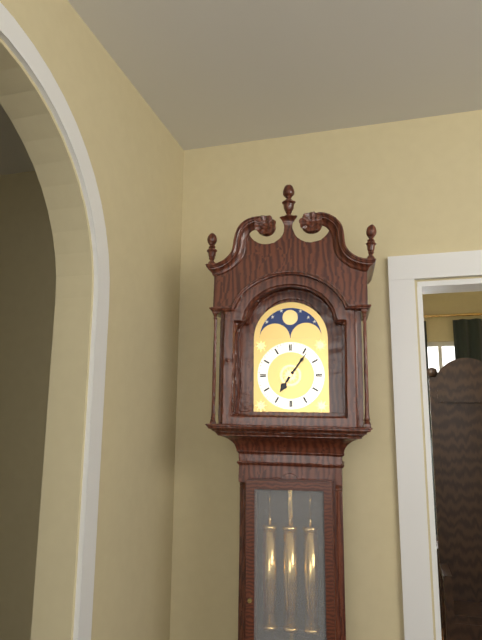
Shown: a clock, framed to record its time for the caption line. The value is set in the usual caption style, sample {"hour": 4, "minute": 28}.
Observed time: {"hour": 7, "minute": 6}
